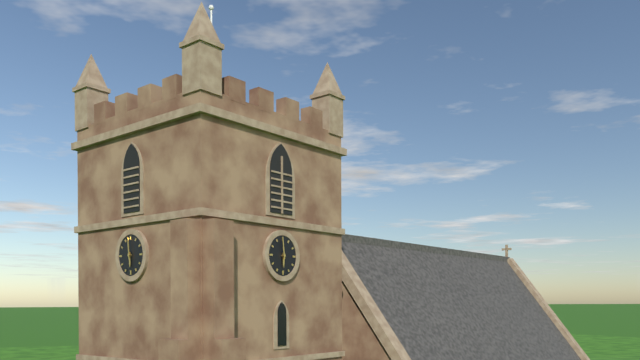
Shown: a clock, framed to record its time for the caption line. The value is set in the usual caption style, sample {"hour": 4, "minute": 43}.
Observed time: {"hour": 5, "minute": 59}
